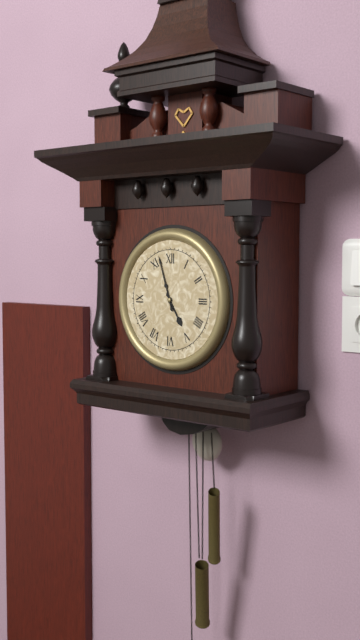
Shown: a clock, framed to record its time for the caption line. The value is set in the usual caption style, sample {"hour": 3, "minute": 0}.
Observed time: {"hour": 4, "minute": 57}
